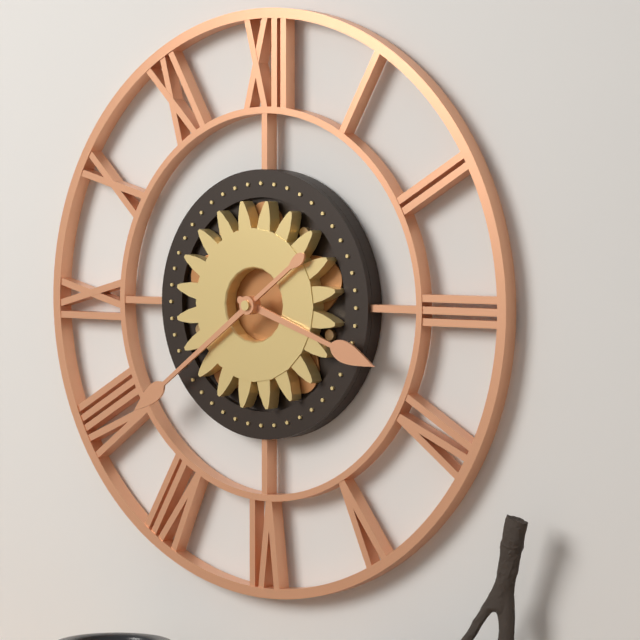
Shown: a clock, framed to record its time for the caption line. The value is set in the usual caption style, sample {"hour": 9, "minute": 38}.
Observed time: {"hour": 3, "minute": 39}
